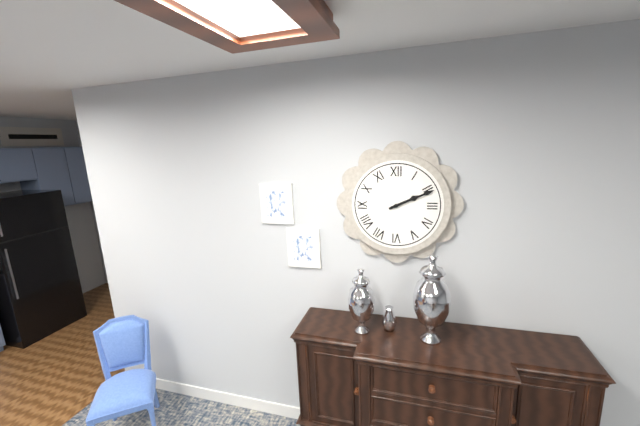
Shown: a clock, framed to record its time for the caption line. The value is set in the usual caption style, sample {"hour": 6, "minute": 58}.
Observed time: {"hour": 2, "minute": 11}
